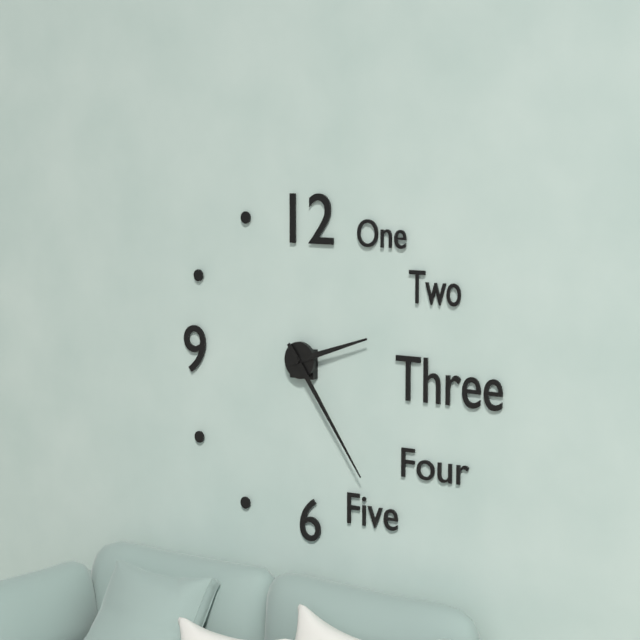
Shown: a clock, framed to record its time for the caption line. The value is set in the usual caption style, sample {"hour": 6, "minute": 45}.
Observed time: {"hour": 2, "minute": 24}
